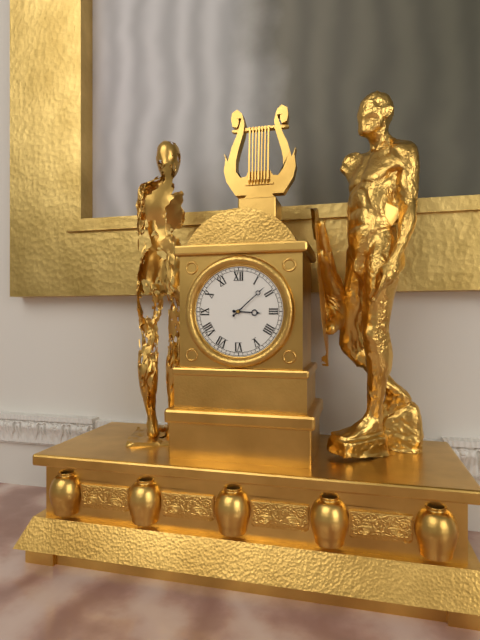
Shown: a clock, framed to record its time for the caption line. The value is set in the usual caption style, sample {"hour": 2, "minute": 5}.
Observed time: {"hour": 3, "minute": 8}
